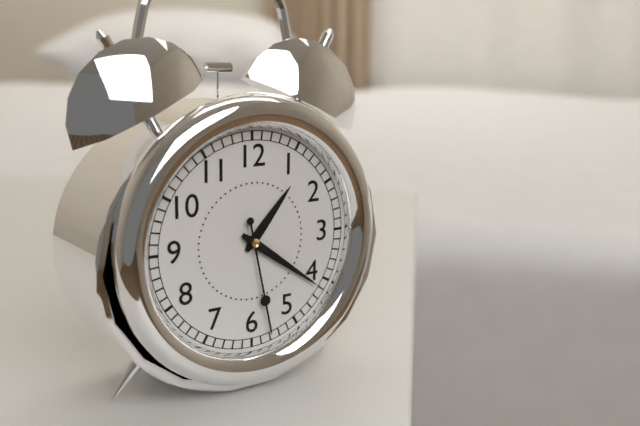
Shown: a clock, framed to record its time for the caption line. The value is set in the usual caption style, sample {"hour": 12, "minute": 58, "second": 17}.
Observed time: {"hour": 1, "minute": 21, "second": 28}
